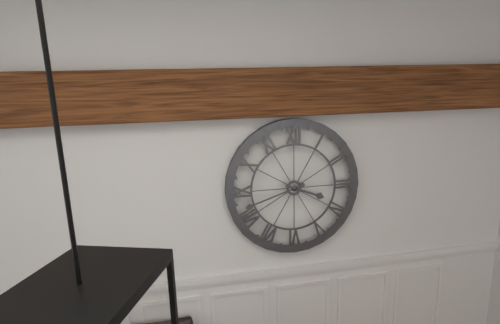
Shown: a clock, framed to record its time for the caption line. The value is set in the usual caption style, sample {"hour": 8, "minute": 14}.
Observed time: {"hour": 3, "minute": 42}
